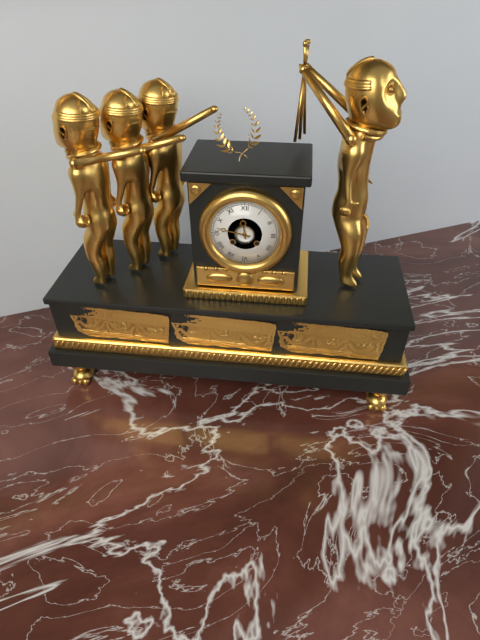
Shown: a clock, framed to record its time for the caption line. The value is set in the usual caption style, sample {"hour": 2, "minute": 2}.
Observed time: {"hour": 11, "minute": 47}
